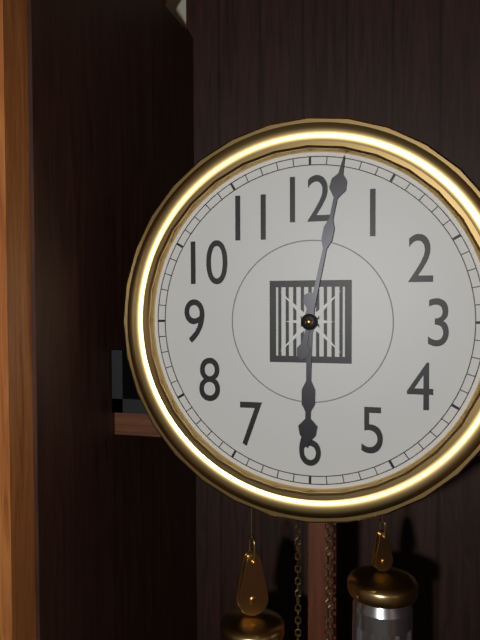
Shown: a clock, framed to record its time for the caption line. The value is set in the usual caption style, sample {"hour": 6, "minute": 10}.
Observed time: {"hour": 6, "minute": 2}
